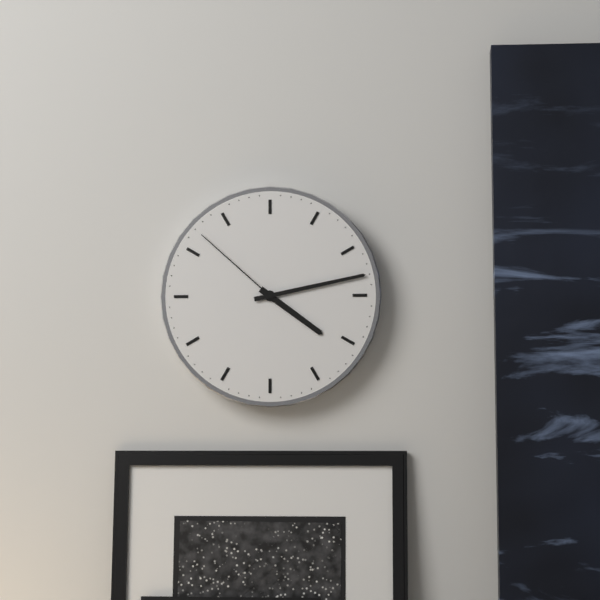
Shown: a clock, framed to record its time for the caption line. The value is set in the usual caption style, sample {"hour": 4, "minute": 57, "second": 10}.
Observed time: {"hour": 4, "minute": 13, "second": 52}
